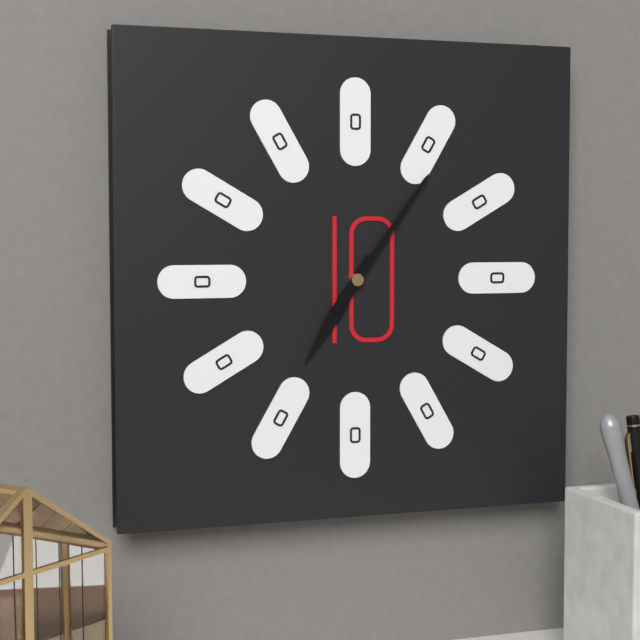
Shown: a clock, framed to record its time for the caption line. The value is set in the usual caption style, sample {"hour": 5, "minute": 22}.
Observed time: {"hour": 7, "minute": 6}
